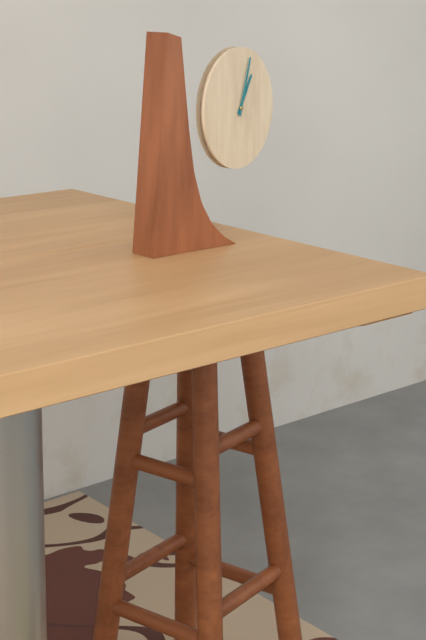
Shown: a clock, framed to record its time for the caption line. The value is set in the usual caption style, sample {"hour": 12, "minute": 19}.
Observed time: {"hour": 1, "minute": 3}
